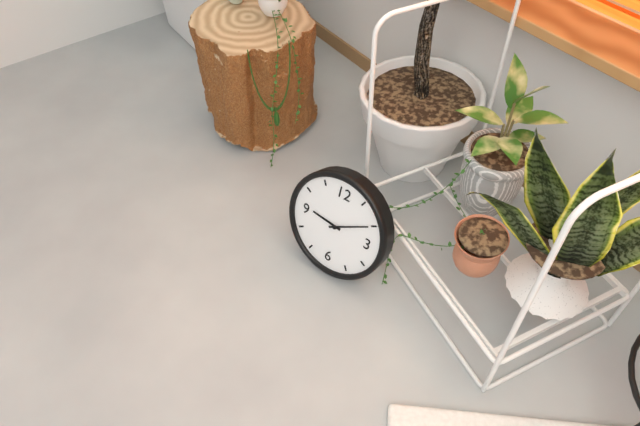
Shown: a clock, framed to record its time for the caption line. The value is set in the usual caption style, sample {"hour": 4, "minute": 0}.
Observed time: {"hour": 9, "minute": 10}
